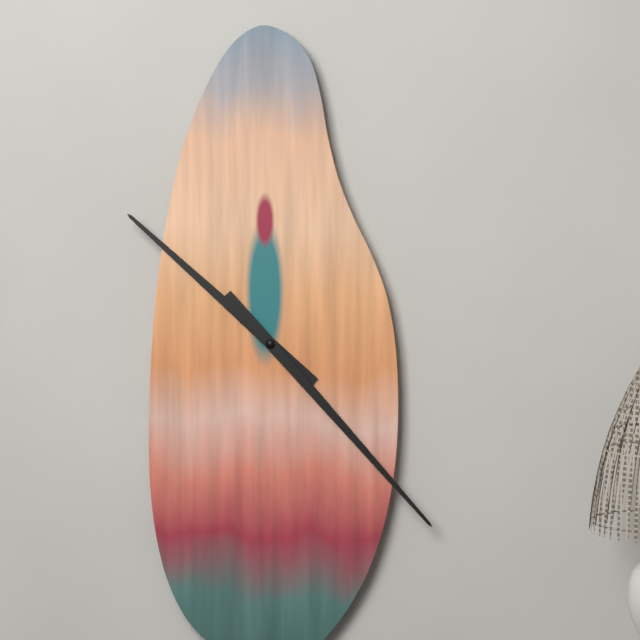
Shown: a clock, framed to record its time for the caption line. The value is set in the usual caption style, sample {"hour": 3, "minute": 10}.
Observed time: {"hour": 10, "minute": 23}
